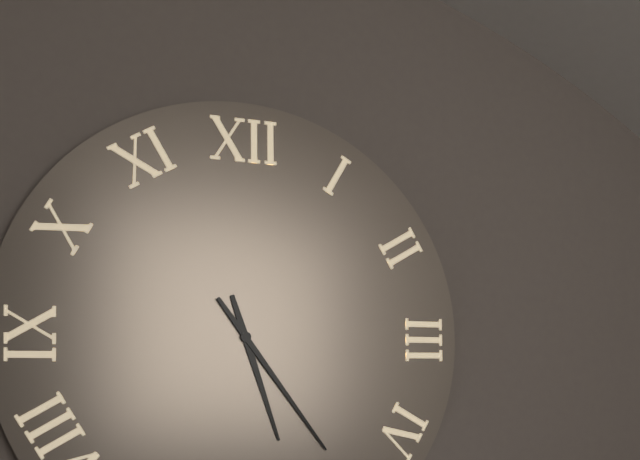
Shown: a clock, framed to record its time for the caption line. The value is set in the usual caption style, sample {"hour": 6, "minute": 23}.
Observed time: {"hour": 5, "minute": 24}
